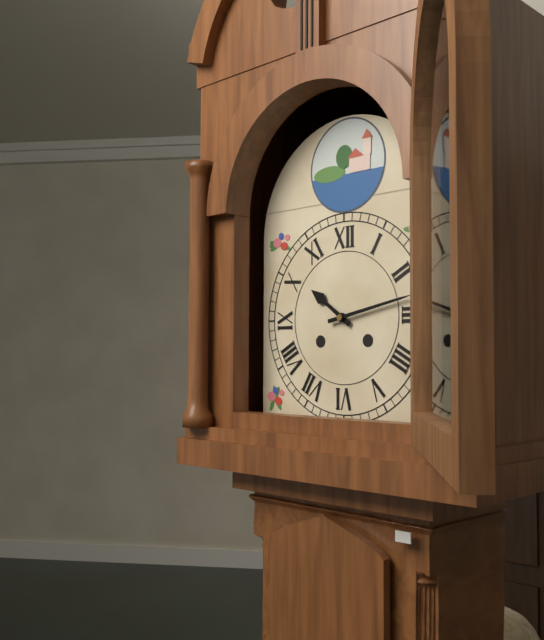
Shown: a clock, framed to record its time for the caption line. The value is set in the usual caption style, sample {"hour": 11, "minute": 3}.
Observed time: {"hour": 10, "minute": 13}
